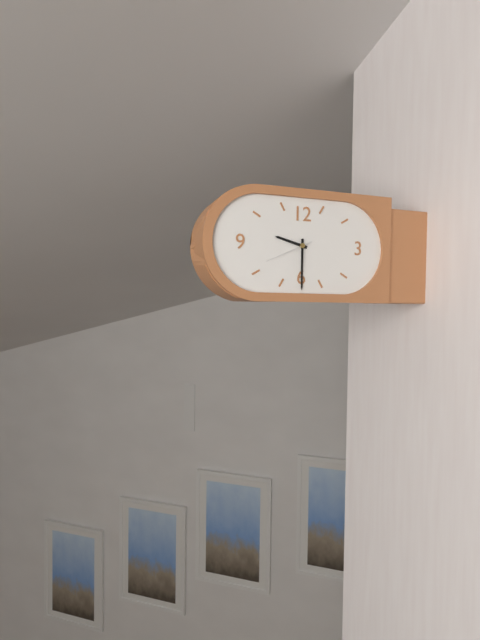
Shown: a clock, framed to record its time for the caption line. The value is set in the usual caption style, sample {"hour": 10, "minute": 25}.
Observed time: {"hour": 9, "minute": 30}
